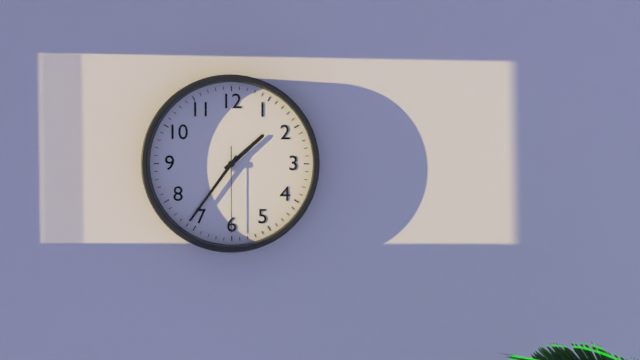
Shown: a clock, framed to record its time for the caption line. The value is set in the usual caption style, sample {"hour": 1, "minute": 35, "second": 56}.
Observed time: {"hour": 1, "minute": 36, "second": 30}
